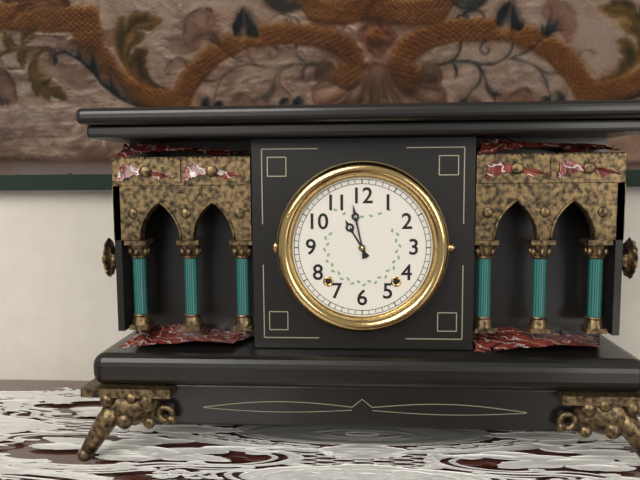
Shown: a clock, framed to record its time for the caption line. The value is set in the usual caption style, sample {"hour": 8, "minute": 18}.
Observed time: {"hour": 10, "minute": 58}
